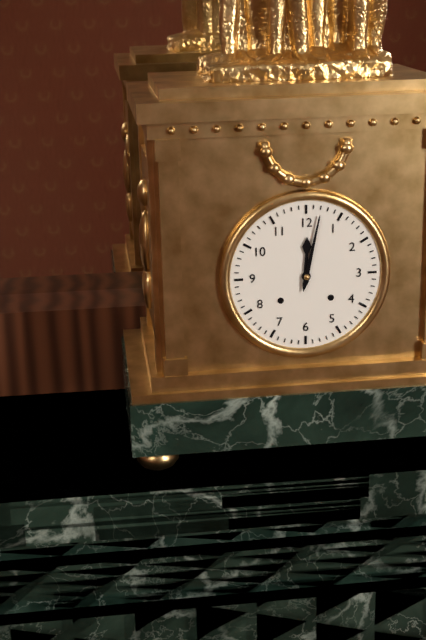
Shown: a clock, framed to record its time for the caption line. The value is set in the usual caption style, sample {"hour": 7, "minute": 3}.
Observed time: {"hour": 12, "minute": 2}
